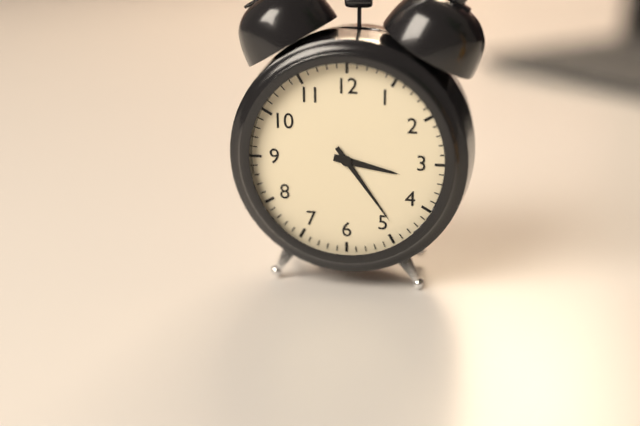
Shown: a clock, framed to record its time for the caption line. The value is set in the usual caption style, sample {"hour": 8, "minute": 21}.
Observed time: {"hour": 3, "minute": 24}
